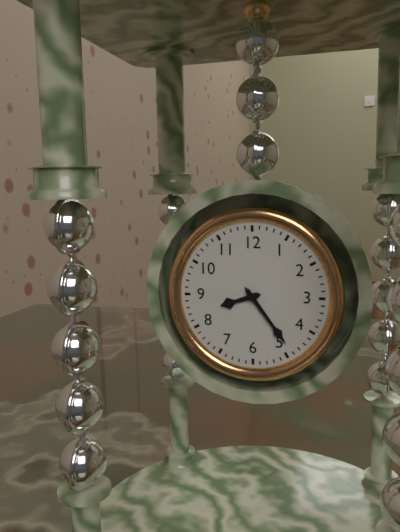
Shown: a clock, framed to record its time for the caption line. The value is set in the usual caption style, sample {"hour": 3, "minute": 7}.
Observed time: {"hour": 8, "minute": 24}
